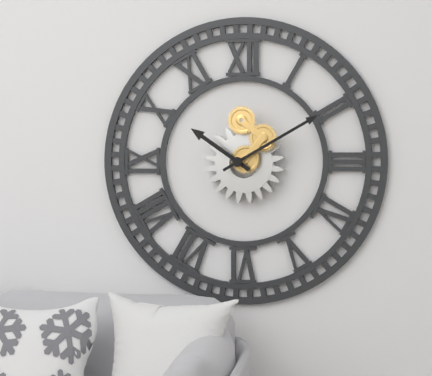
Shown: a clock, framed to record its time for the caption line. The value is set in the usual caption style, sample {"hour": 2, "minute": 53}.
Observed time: {"hour": 10, "minute": 10}
